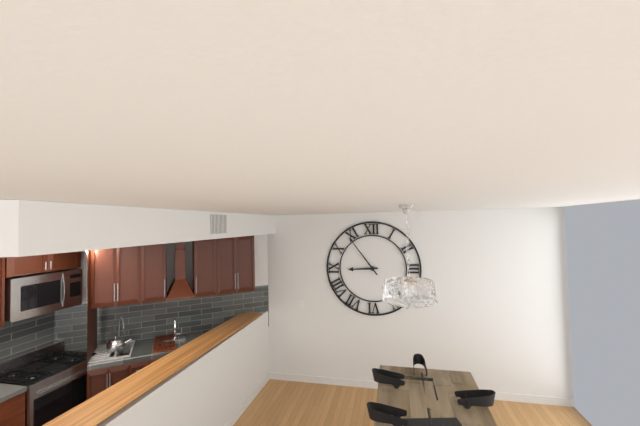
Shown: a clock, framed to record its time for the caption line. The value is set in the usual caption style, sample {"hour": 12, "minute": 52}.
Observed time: {"hour": 8, "minute": 54}
